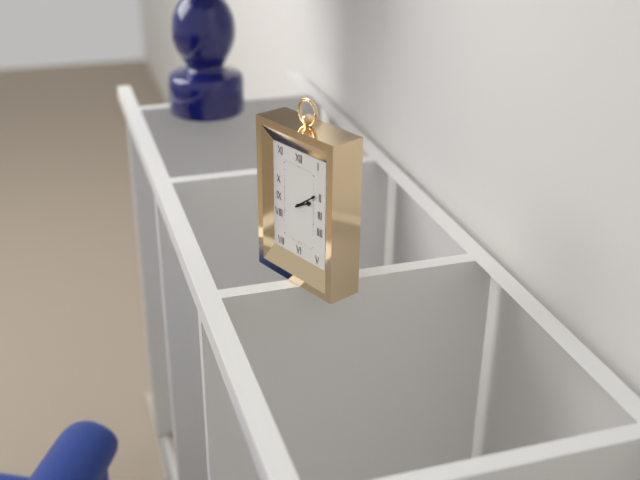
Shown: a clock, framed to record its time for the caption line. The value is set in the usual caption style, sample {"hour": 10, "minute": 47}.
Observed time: {"hour": 2, "minute": 9}
